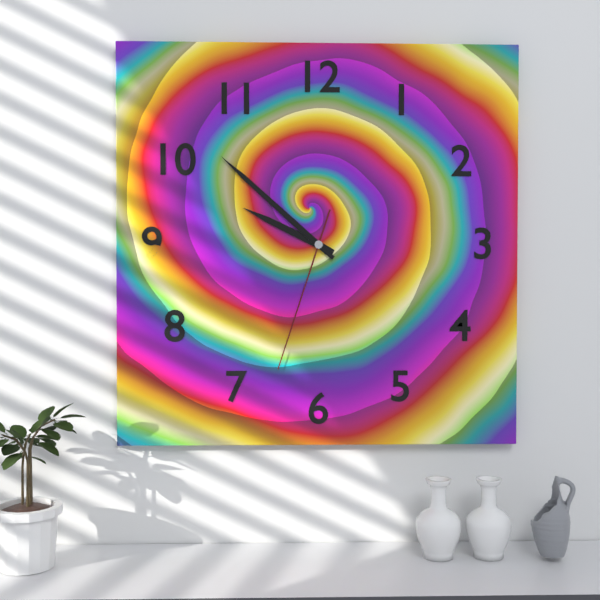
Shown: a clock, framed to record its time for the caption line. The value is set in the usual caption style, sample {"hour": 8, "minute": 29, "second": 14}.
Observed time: {"hour": 9, "minute": 52, "second": 33}
